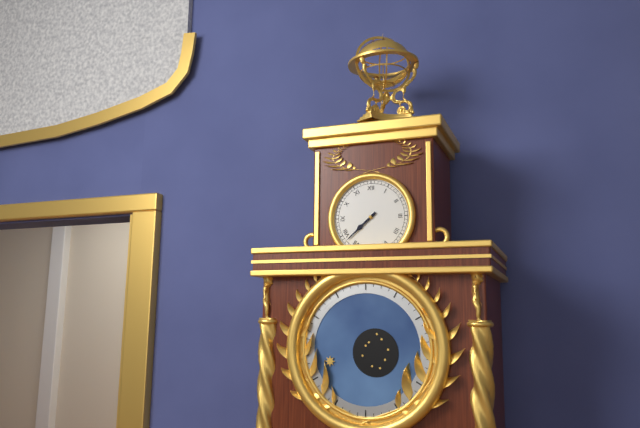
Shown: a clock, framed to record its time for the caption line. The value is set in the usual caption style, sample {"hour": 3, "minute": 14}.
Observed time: {"hour": 7, "minute": 38}
